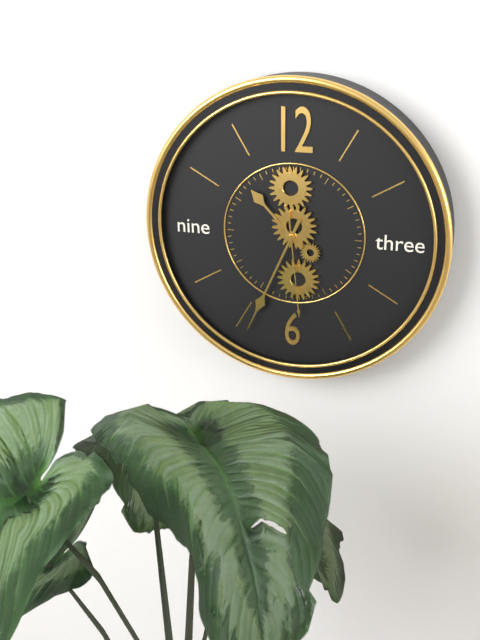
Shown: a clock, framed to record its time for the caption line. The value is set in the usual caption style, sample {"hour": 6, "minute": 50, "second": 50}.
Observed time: {"hour": 10, "minute": 34, "second": 29}
